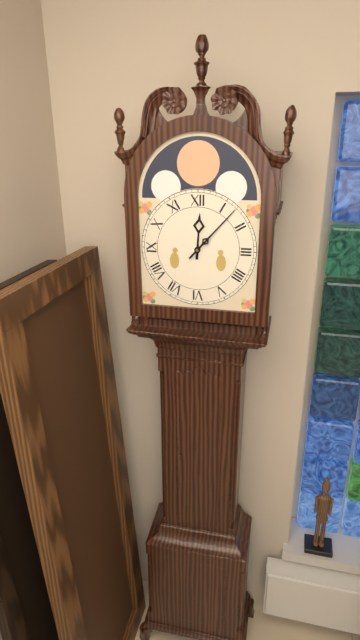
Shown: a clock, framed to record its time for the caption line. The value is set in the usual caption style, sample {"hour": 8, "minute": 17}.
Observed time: {"hour": 12, "minute": 7}
